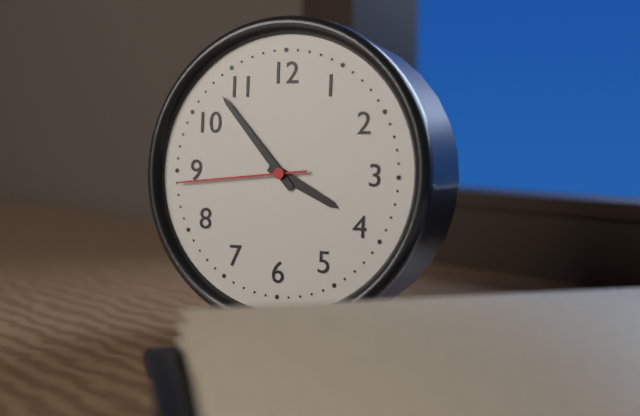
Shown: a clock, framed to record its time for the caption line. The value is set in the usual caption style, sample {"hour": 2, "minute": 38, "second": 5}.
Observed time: {"hour": 3, "minute": 53, "second": 44}
